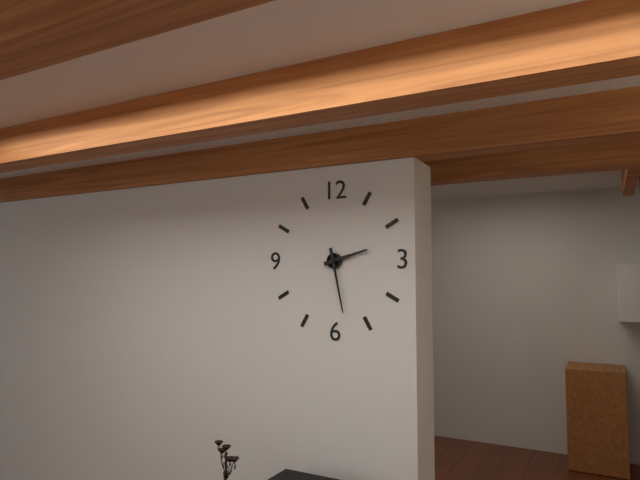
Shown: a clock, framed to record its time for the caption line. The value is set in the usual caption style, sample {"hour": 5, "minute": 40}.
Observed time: {"hour": 2, "minute": 28}
